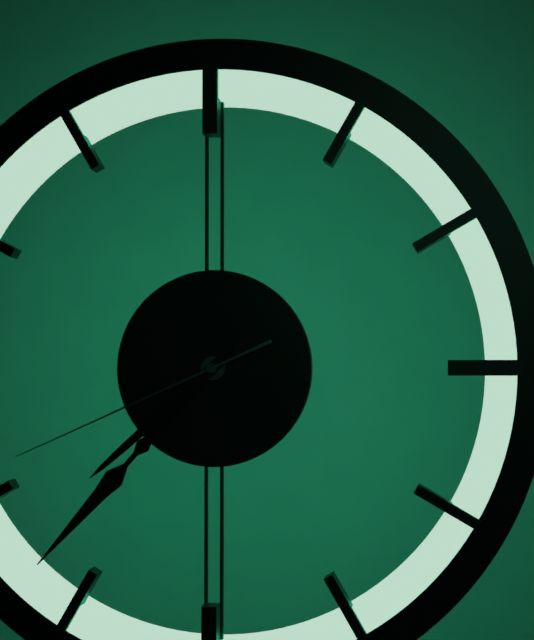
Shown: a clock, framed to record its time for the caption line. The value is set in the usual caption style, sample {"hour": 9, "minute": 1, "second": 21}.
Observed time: {"hour": 7, "minute": 37, "second": 41}
